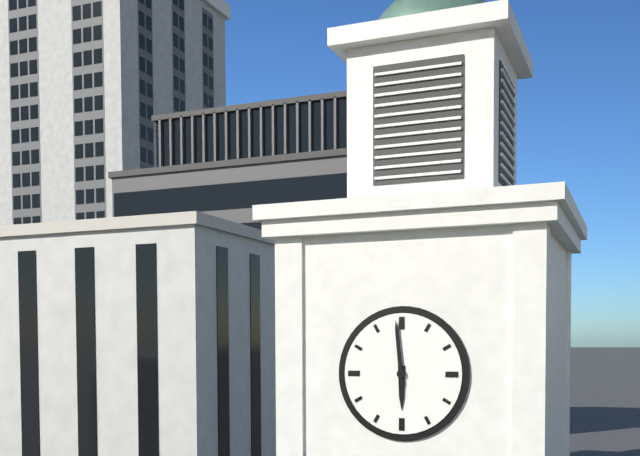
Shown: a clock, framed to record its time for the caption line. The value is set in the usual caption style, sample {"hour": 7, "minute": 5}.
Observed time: {"hour": 5, "minute": 59}
